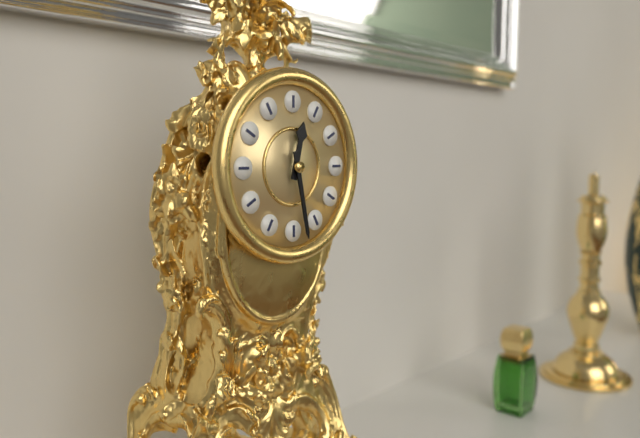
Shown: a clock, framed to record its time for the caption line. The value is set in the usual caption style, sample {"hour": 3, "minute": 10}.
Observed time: {"hour": 12, "minute": 28}
